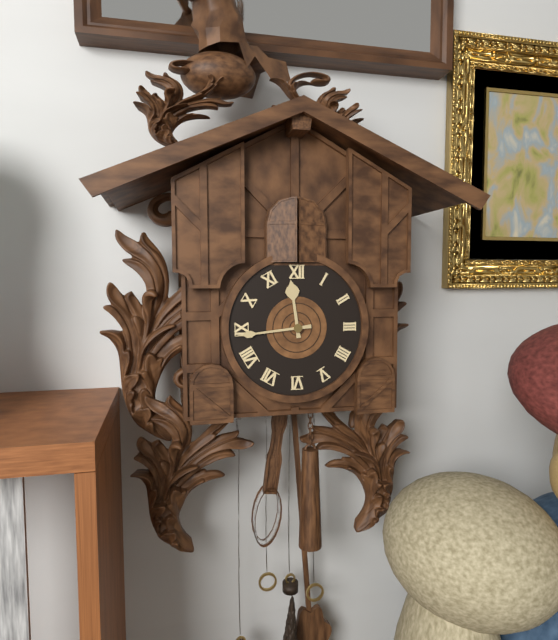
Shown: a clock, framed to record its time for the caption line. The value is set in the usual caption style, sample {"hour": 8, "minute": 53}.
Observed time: {"hour": 11, "minute": 44}
